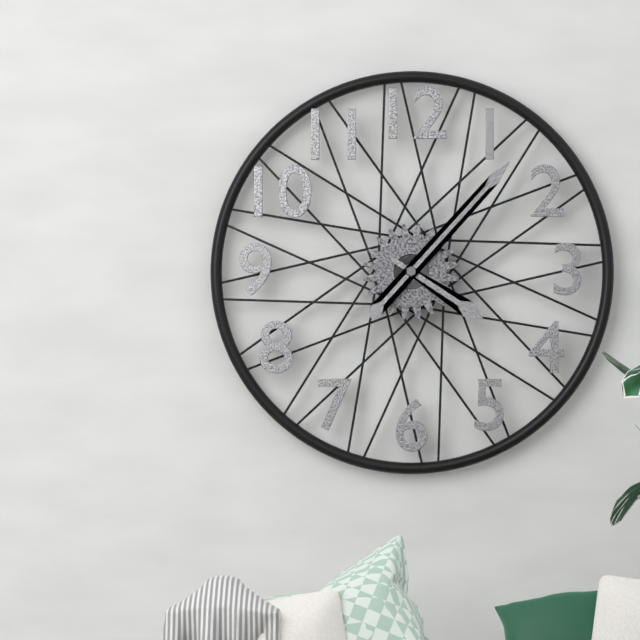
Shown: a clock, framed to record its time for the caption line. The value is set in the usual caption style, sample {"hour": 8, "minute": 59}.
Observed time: {"hour": 4, "minute": 7}
